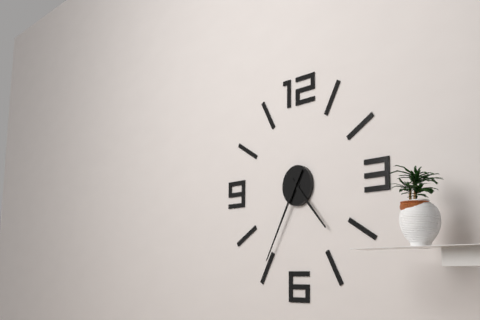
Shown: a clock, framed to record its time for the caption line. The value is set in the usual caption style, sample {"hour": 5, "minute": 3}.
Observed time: {"hour": 4, "minute": 35}
